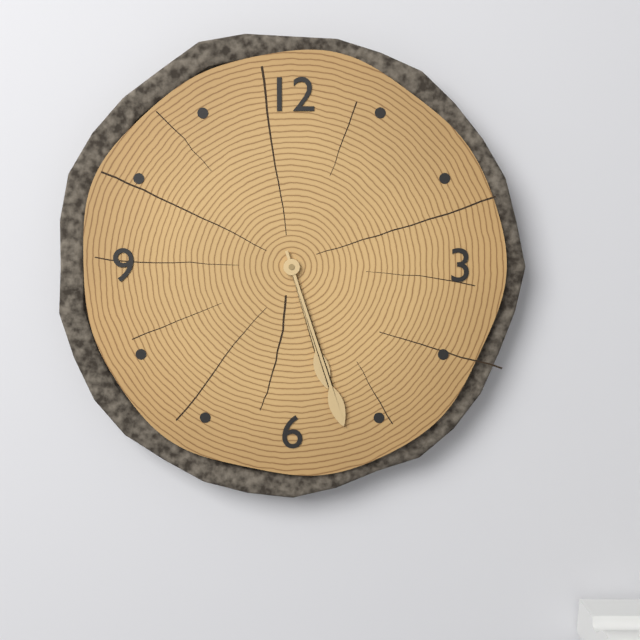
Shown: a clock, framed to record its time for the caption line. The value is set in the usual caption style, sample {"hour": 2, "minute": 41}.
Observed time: {"hour": 5, "minute": 27}
